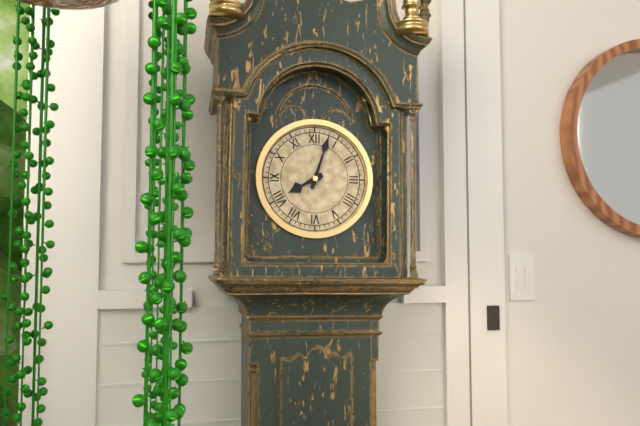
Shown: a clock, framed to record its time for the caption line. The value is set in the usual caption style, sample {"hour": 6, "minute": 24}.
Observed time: {"hour": 8, "minute": 3}
